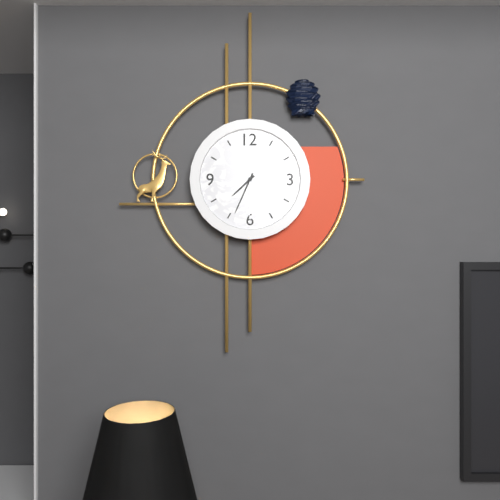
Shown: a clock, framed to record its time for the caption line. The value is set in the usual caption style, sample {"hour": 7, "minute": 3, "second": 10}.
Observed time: {"hour": 7, "minute": 34, "second": 30}
